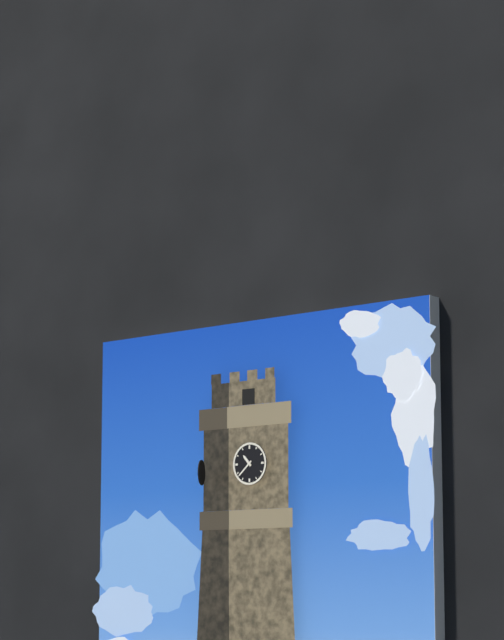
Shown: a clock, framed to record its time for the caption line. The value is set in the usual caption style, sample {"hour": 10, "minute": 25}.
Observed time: {"hour": 10, "minute": 38}
